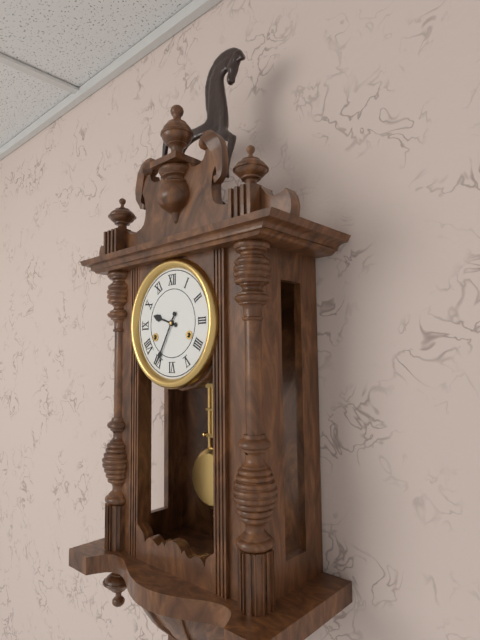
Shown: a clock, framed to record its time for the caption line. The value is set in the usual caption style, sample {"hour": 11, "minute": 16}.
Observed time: {"hour": 9, "minute": 35}
